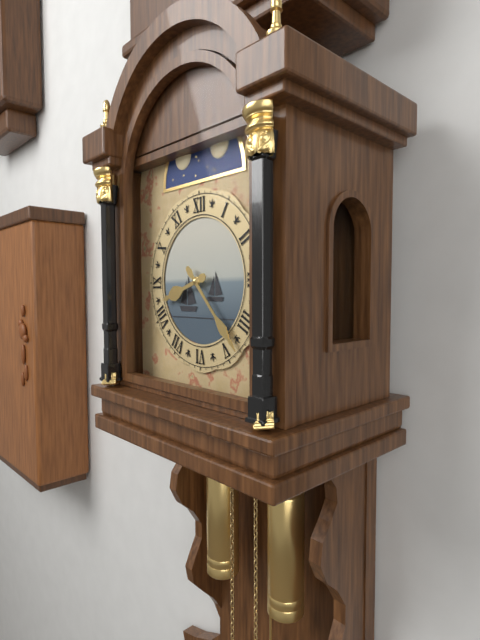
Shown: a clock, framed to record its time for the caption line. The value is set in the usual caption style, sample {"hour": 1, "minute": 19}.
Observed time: {"hour": 8, "minute": 23}
